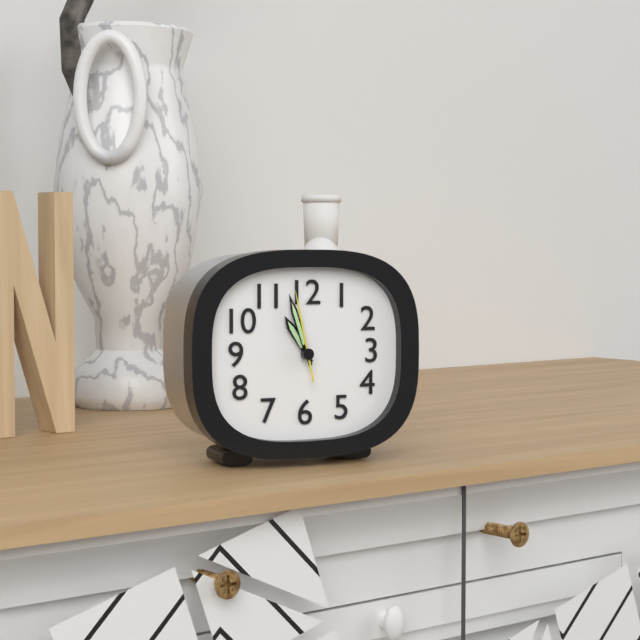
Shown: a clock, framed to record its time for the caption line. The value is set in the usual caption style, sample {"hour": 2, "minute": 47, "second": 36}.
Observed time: {"hour": 10, "minute": 57, "second": 58}
